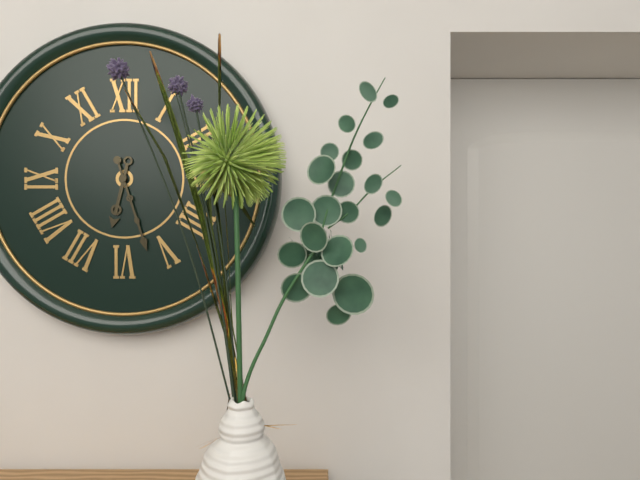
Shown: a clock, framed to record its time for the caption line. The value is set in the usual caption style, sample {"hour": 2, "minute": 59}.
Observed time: {"hour": 6, "minute": 27}
